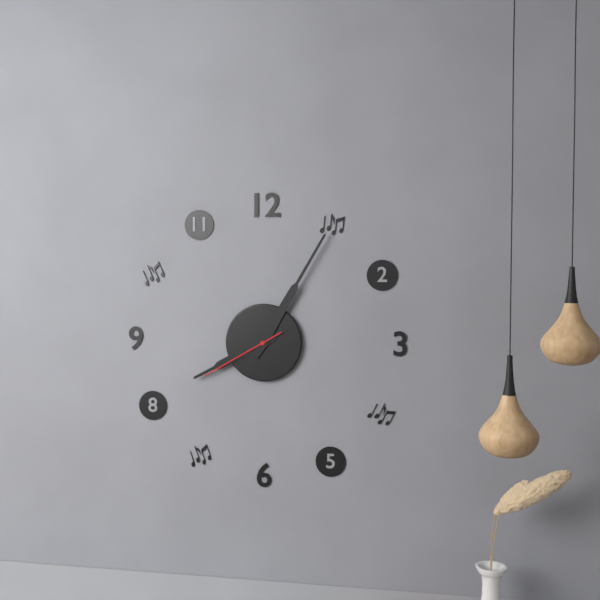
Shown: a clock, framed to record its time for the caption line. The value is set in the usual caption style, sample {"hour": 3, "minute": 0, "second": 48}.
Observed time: {"hour": 8, "minute": 5, "second": 40}
